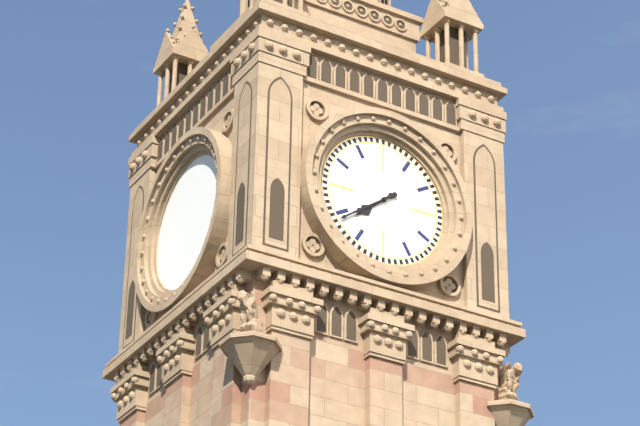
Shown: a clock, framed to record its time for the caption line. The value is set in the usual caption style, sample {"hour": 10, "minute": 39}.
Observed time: {"hour": 7, "minute": 39}
